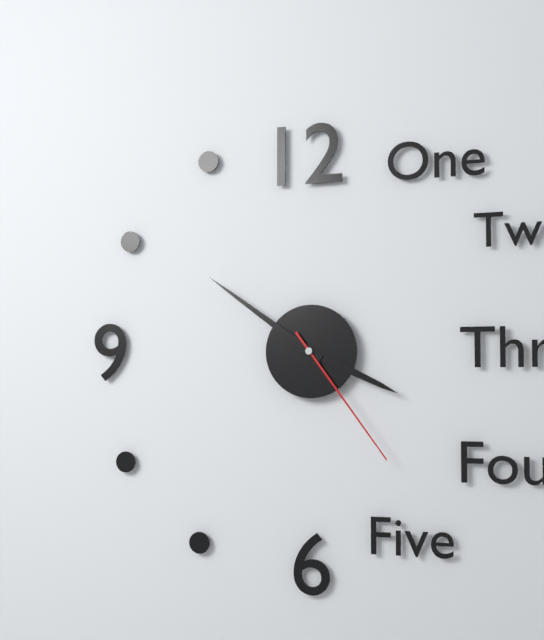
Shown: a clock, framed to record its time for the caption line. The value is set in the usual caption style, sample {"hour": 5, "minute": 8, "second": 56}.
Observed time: {"hour": 3, "minute": 51, "second": 24}
